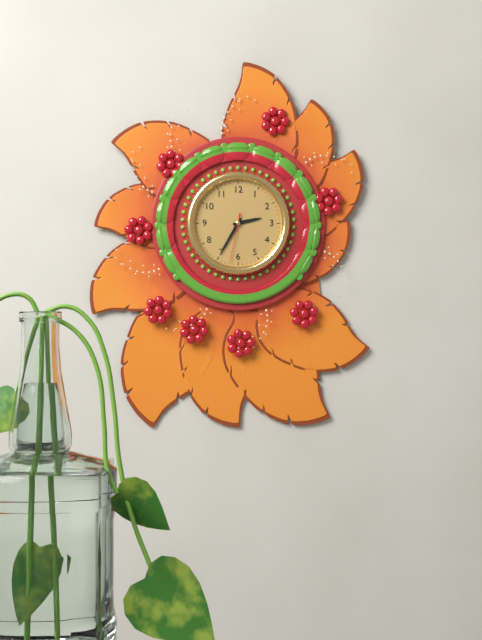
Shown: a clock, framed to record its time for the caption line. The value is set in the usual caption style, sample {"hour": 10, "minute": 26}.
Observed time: {"hour": 2, "minute": 35}
